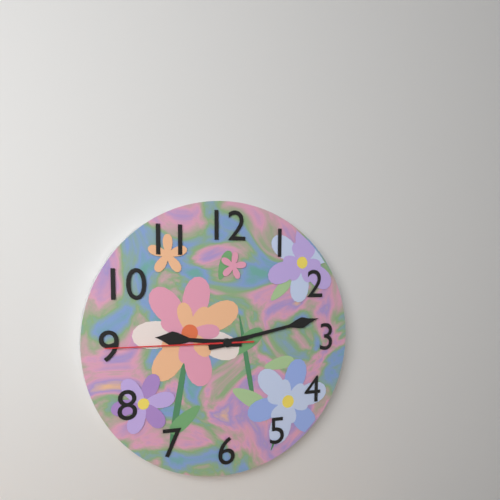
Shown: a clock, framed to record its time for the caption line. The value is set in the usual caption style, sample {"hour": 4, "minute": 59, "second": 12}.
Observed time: {"hour": 9, "minute": 13, "second": 45}
